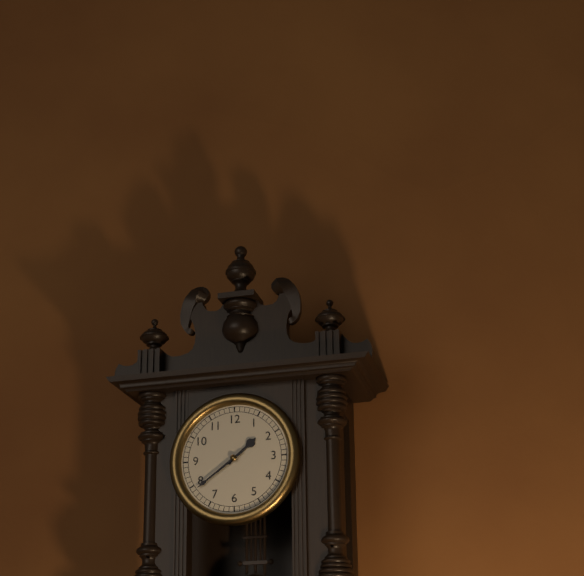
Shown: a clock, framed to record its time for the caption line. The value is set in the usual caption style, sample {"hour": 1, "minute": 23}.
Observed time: {"hour": 1, "minute": 39}
